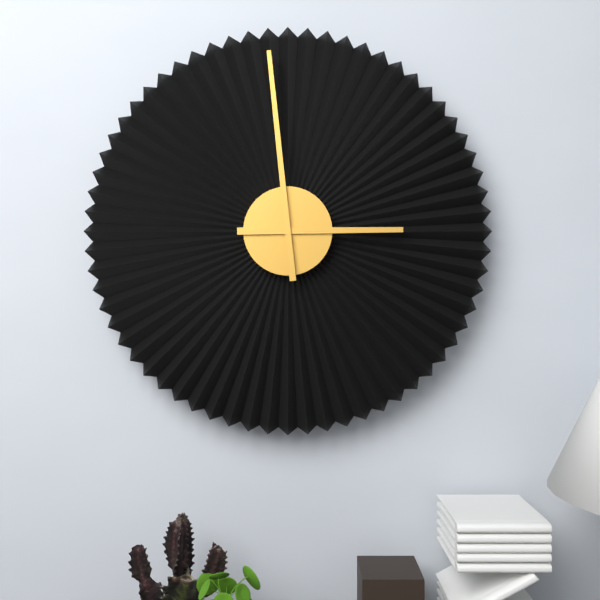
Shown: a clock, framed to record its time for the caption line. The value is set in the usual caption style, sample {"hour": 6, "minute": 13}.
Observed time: {"hour": 2, "minute": 59}
